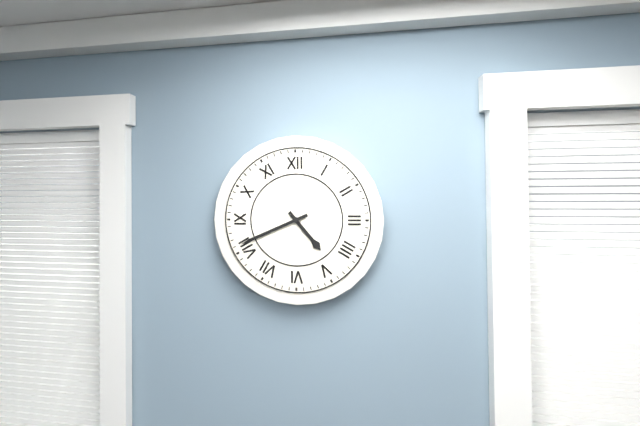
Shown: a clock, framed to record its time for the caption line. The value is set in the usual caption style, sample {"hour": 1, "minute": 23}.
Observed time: {"hour": 4, "minute": 41}
